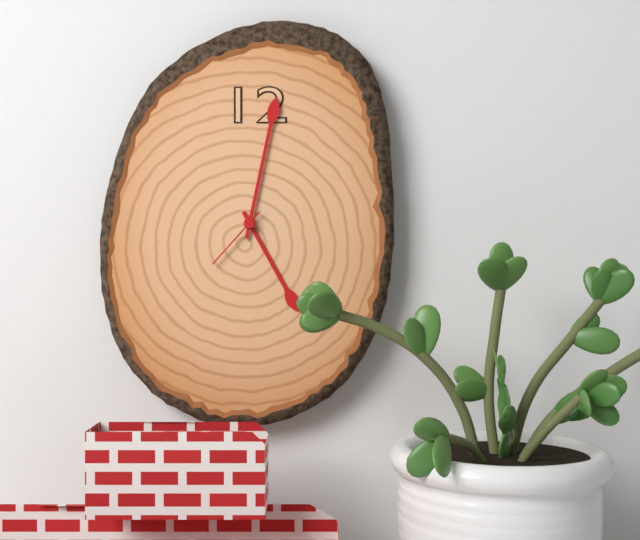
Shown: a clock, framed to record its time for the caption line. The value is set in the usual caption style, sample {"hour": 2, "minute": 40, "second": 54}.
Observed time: {"hour": 5, "minute": 2, "second": 37}
